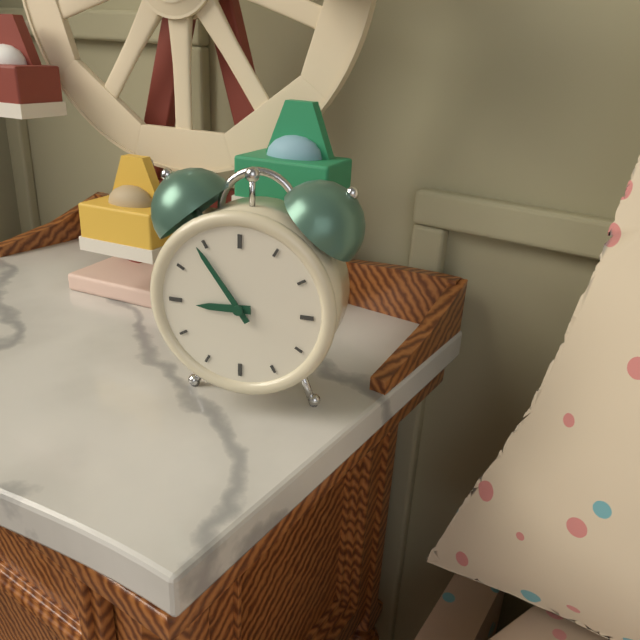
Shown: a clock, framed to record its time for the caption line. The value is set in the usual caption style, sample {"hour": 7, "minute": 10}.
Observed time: {"hour": 8, "minute": 54}
